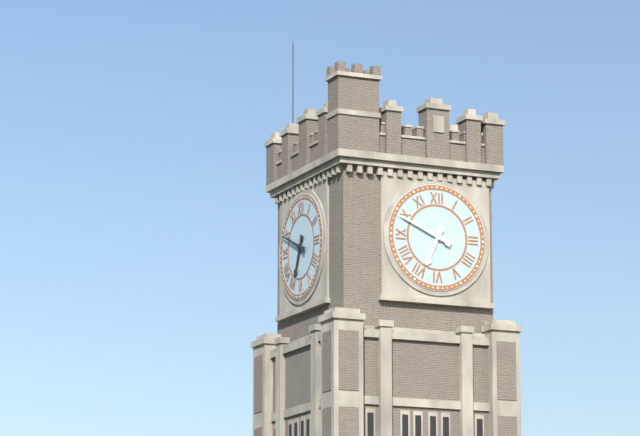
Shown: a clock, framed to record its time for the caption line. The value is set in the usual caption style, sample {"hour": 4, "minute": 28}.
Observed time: {"hour": 6, "minute": 49}
